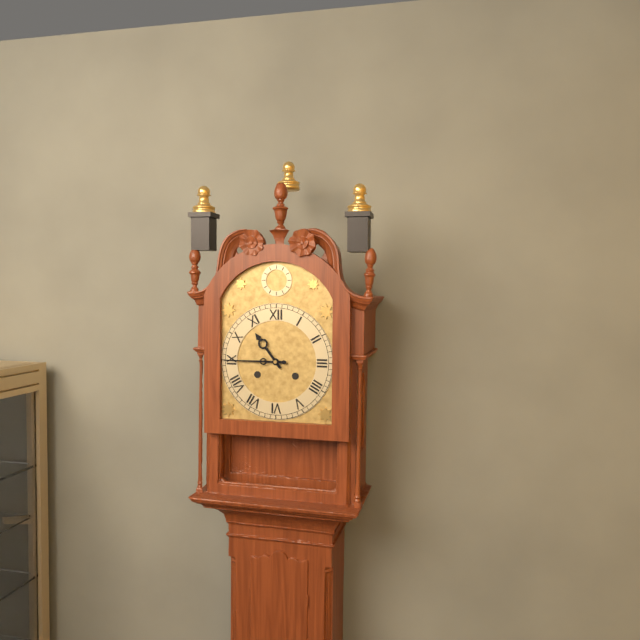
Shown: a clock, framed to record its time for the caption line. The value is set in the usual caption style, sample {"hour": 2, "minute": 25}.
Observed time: {"hour": 10, "minute": 45}
